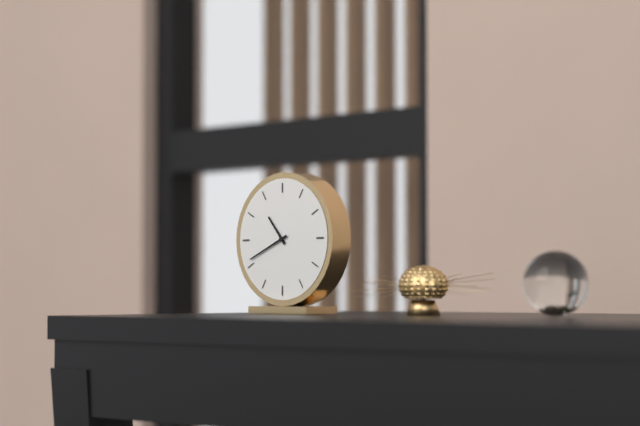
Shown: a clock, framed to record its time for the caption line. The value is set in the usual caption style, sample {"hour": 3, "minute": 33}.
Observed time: {"hour": 10, "minute": 41}
